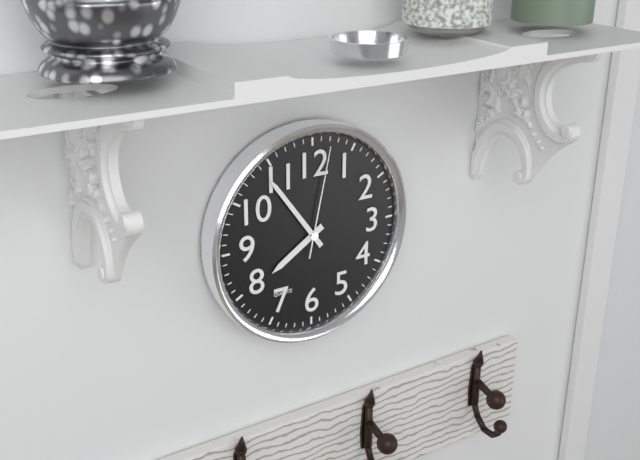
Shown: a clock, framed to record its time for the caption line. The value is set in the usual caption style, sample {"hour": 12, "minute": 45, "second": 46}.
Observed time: {"hour": 7, "minute": 54, "second": 2}
